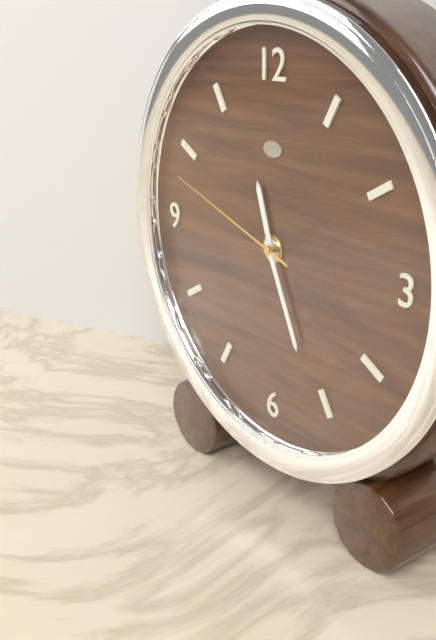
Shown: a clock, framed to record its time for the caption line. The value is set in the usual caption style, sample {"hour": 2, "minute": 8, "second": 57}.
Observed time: {"hour": 11, "minute": 26, "second": 48}
